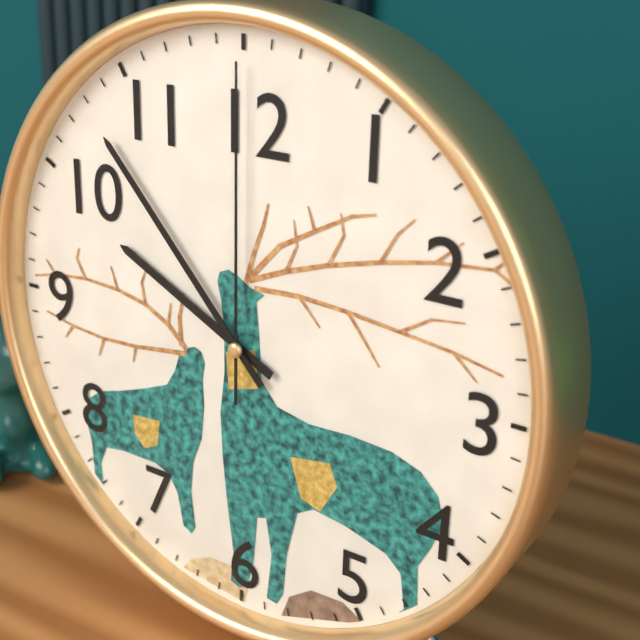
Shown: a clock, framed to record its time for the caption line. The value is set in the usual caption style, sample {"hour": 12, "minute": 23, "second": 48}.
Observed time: {"hour": 9, "minute": 53, "second": 0}
